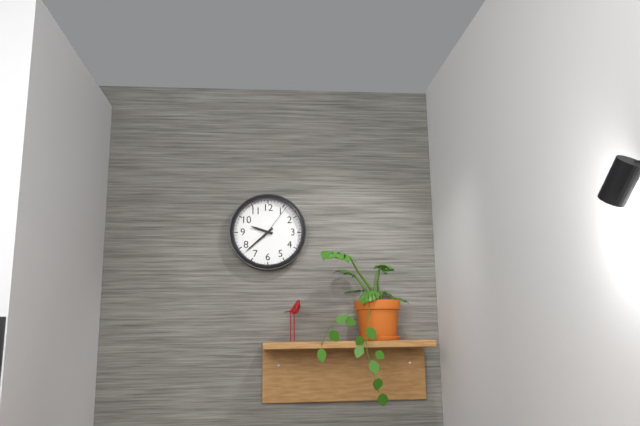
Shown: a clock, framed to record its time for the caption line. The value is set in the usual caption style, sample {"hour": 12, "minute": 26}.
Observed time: {"hour": 9, "minute": 38}
